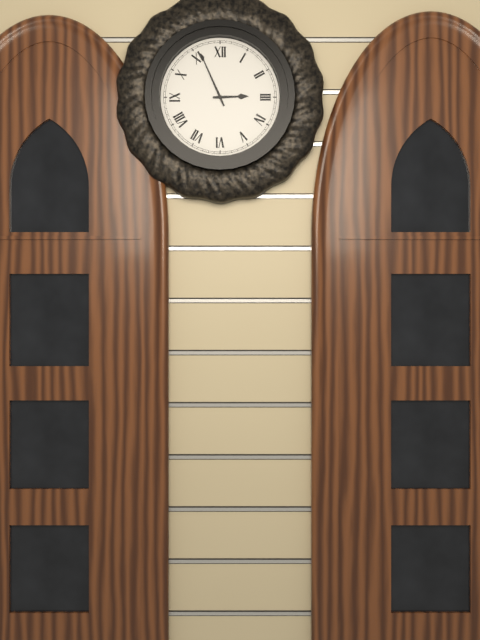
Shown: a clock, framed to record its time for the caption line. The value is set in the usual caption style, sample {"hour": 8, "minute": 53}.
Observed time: {"hour": 2, "minute": 56}
